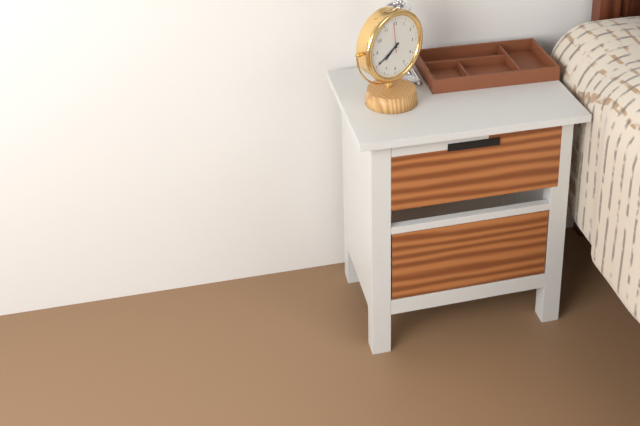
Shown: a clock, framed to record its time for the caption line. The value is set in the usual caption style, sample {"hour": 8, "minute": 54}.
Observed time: {"hour": 7, "minute": 40}
